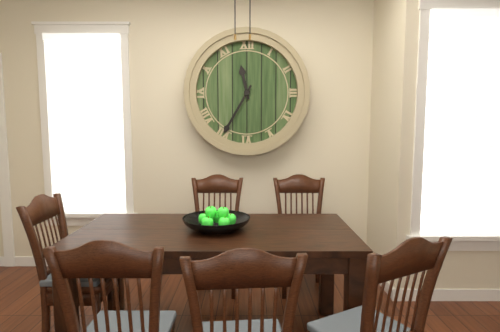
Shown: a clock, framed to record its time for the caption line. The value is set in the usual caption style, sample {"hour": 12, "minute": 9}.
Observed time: {"hour": 11, "minute": 35}
